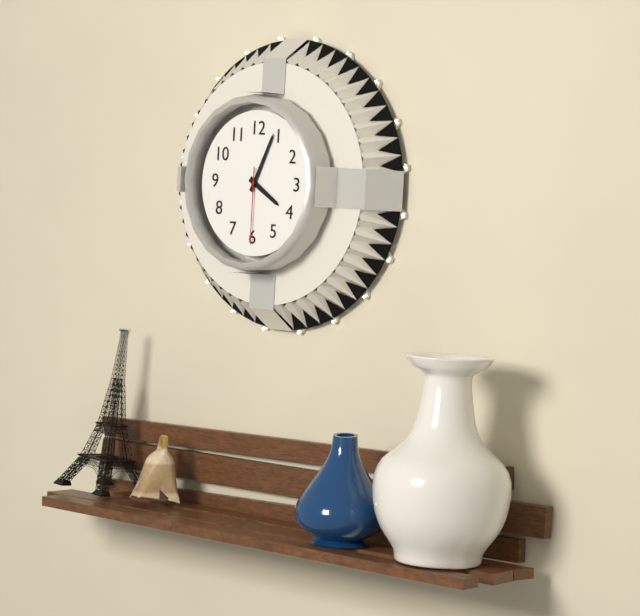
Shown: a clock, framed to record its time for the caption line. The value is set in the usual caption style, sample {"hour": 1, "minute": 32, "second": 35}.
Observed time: {"hour": 4, "minute": 4, "second": 30}
